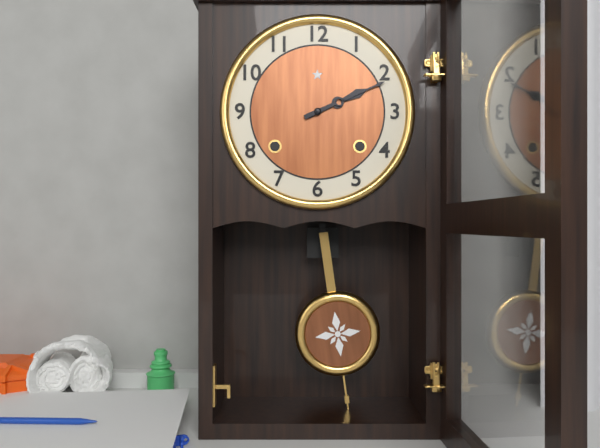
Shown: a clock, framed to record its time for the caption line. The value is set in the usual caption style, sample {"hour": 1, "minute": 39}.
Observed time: {"hour": 2, "minute": 11}
